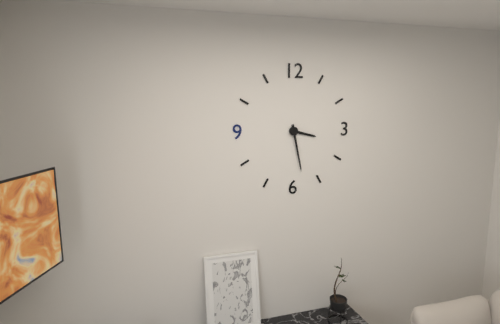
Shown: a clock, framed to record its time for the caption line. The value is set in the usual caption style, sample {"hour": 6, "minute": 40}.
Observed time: {"hour": 3, "minute": 28}
